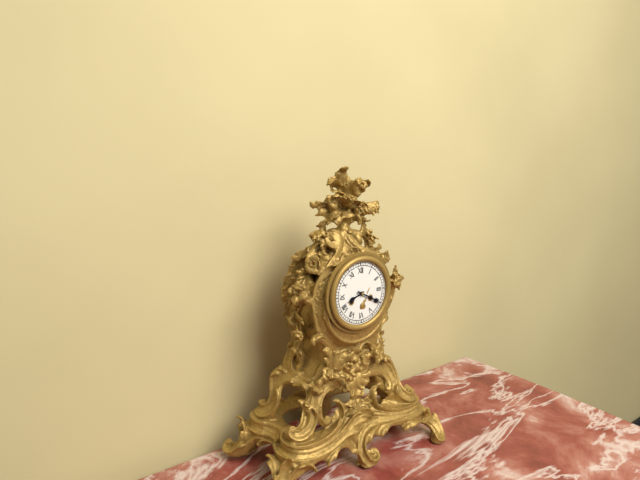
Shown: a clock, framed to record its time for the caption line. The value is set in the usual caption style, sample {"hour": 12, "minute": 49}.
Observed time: {"hour": 8, "minute": 20}
